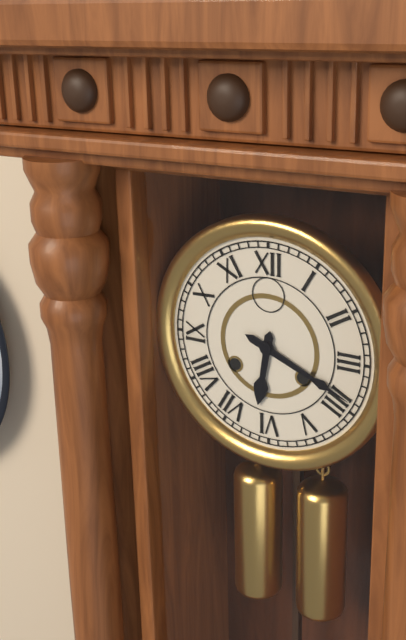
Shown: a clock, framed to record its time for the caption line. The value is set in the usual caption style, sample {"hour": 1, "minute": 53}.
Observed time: {"hour": 6, "minute": 19}
